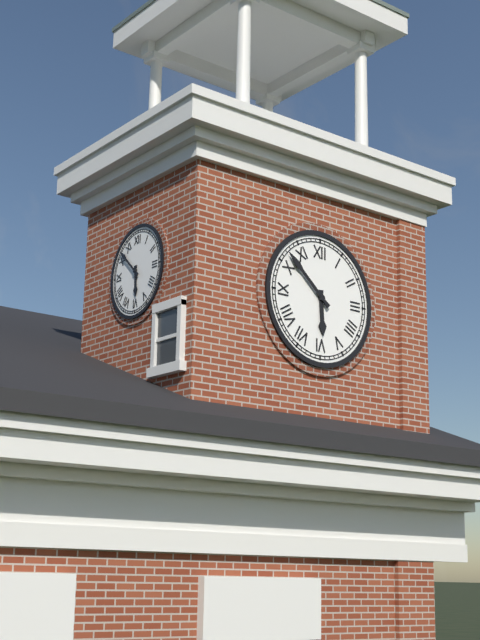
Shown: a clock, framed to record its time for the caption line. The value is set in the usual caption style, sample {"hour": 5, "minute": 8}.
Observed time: {"hour": 5, "minute": 52}
